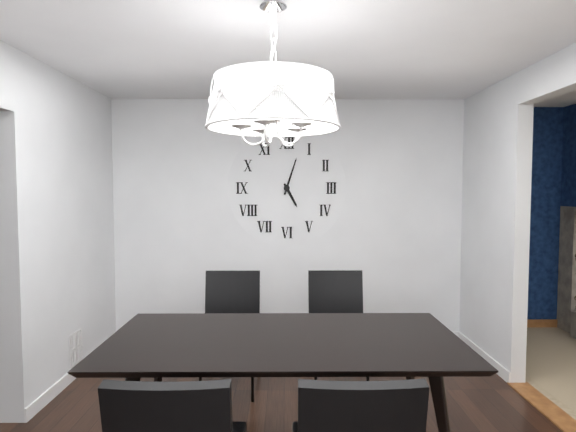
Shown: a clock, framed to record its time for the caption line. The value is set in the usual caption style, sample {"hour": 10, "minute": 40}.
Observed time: {"hour": 5, "minute": 3}
